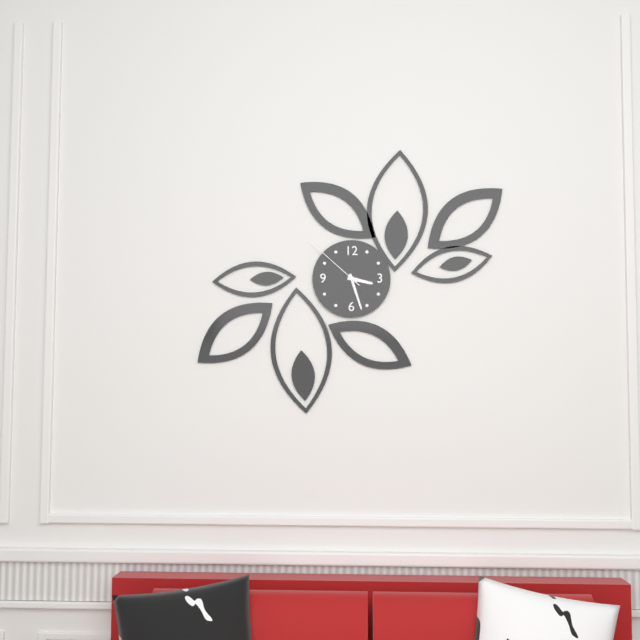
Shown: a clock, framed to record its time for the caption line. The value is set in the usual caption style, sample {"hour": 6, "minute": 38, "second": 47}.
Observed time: {"hour": 3, "minute": 27, "second": 52}
